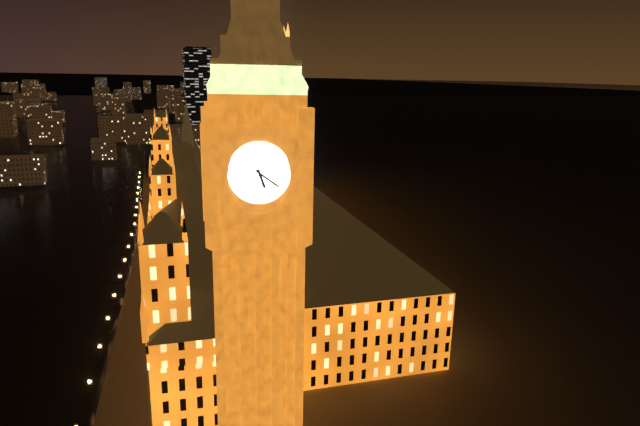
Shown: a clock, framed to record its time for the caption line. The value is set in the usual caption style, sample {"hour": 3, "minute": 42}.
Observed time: {"hour": 5, "minute": 21}
